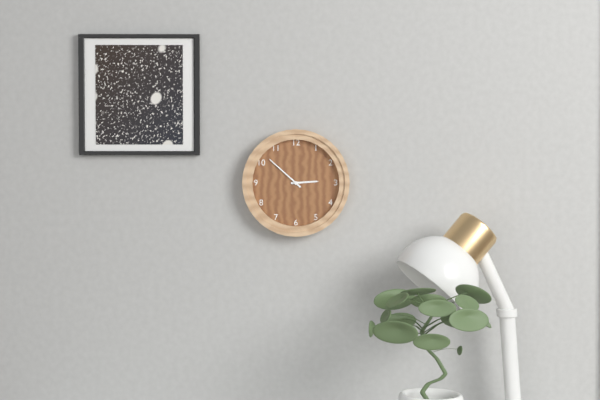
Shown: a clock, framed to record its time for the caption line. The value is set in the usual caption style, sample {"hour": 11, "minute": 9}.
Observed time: {"hour": 2, "minute": 52}
